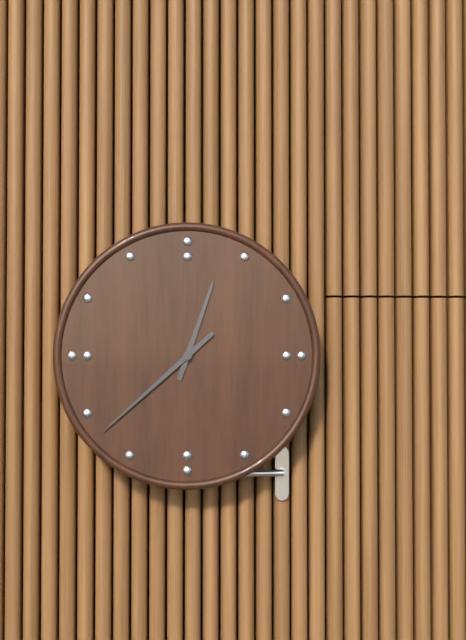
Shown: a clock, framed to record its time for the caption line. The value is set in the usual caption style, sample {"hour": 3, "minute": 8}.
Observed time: {"hour": 12, "minute": 38}
